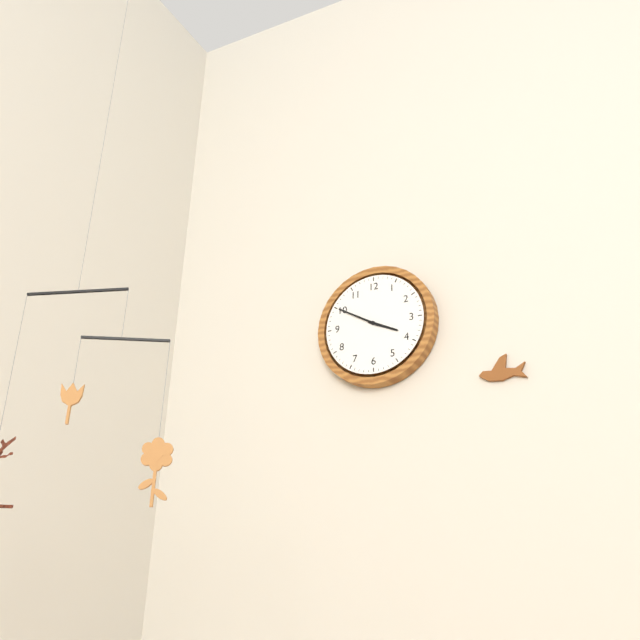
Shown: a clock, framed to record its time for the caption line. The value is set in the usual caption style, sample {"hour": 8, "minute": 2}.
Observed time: {"hour": 3, "minute": 50}
